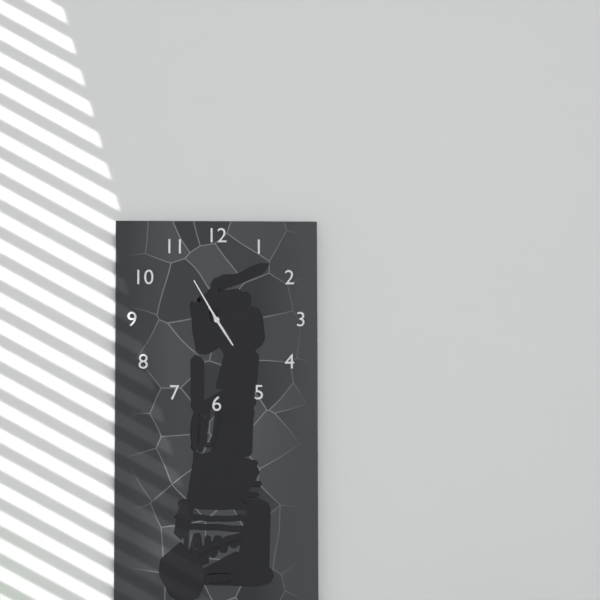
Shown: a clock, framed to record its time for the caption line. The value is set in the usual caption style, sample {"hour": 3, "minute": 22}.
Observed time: {"hour": 4, "minute": 55}
